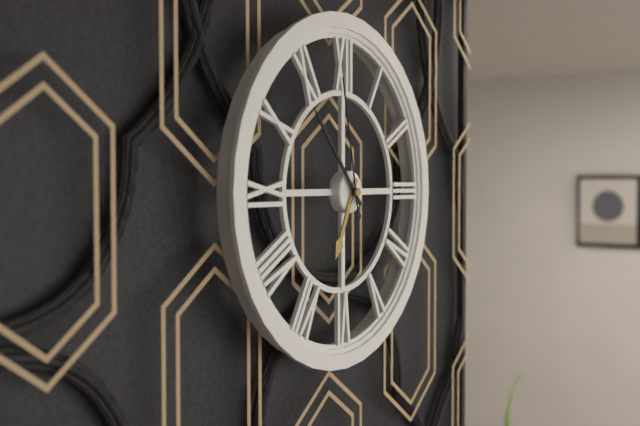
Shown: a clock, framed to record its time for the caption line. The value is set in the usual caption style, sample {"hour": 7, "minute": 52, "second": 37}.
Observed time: {"hour": 6, "minute": 53, "second": 58}
